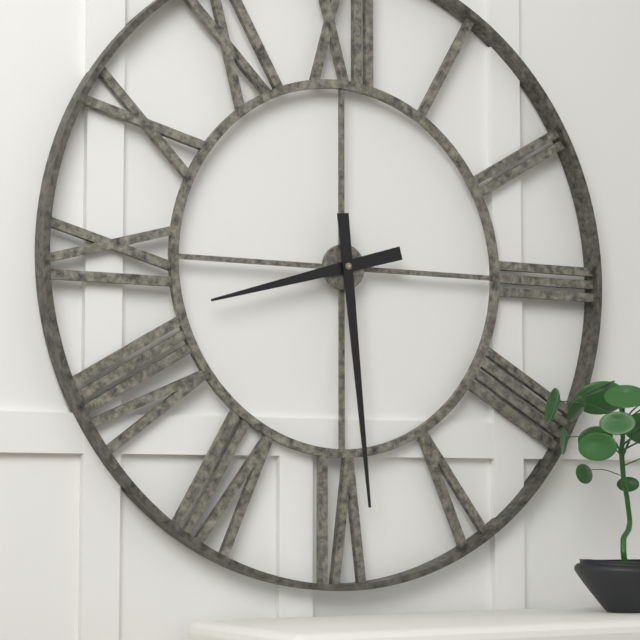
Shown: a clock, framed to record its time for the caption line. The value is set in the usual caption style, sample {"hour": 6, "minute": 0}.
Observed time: {"hour": 8, "minute": 29}
